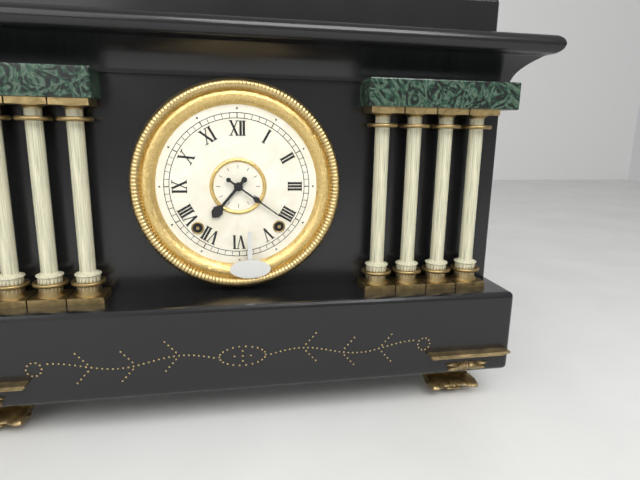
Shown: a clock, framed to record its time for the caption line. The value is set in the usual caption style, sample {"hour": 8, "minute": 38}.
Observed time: {"hour": 7, "minute": 21}
